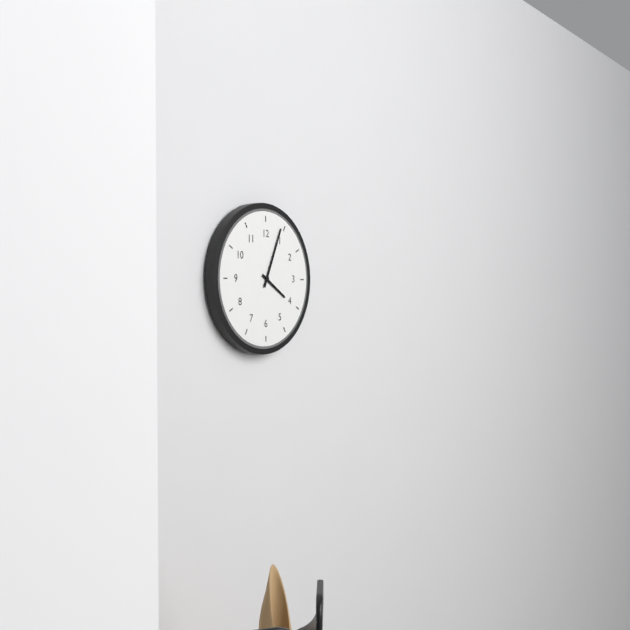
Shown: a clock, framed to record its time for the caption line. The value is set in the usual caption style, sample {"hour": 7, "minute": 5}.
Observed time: {"hour": 4, "minute": 4}
